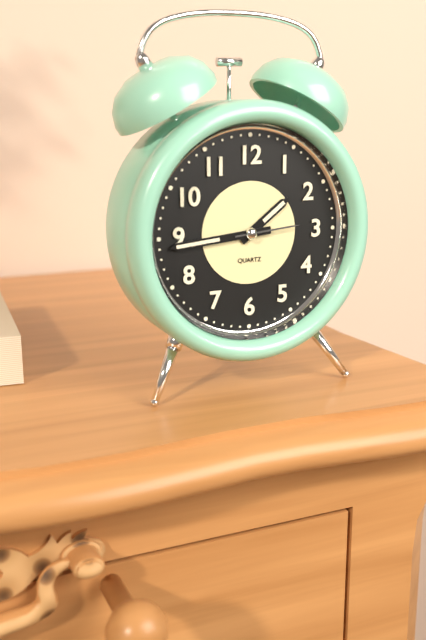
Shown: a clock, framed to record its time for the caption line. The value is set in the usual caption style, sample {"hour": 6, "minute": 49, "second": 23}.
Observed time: {"hour": 1, "minute": 44, "second": 14}
